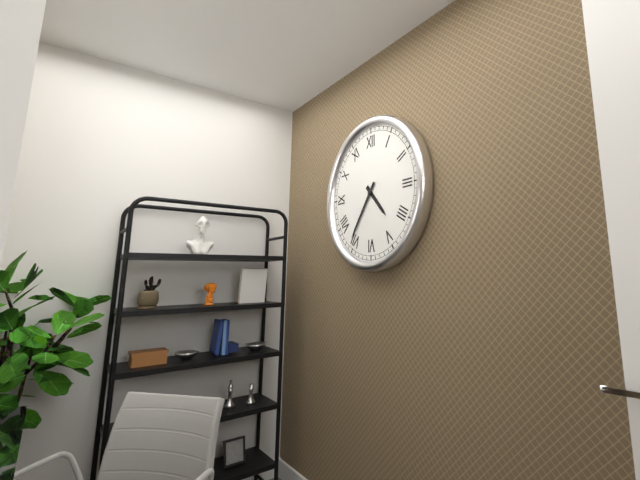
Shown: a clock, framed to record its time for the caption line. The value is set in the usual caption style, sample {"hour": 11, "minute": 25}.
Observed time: {"hour": 4, "minute": 36}
